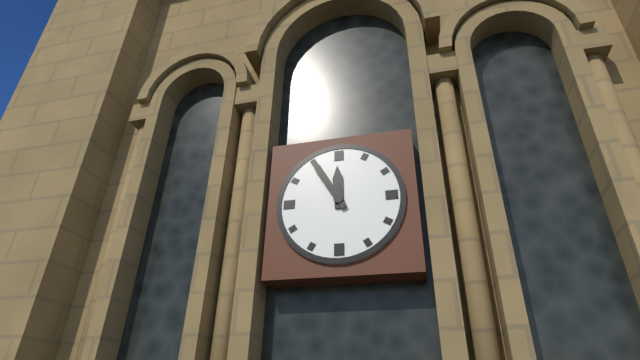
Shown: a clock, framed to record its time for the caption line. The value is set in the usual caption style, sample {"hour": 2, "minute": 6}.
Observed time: {"hour": 11, "minute": 55}
